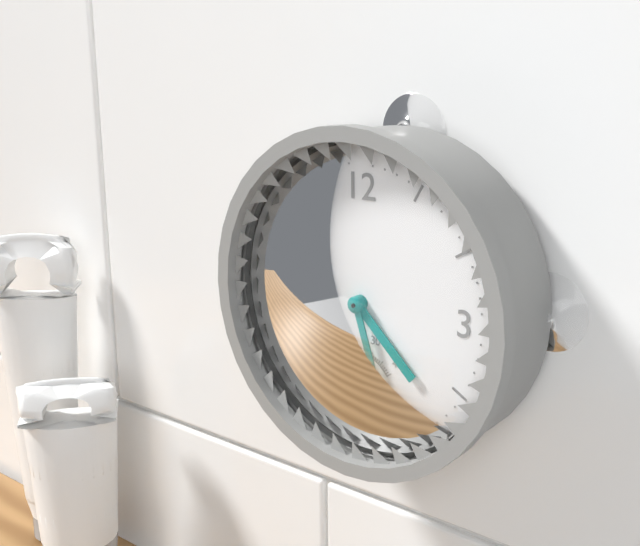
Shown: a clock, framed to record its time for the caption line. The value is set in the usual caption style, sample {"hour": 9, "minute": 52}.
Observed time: {"hour": 4, "minute": 27}
